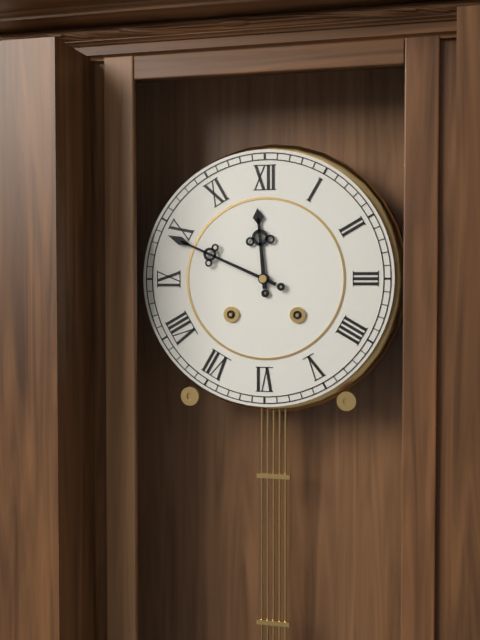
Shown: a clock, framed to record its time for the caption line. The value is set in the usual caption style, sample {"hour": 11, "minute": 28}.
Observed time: {"hour": 11, "minute": 49}
